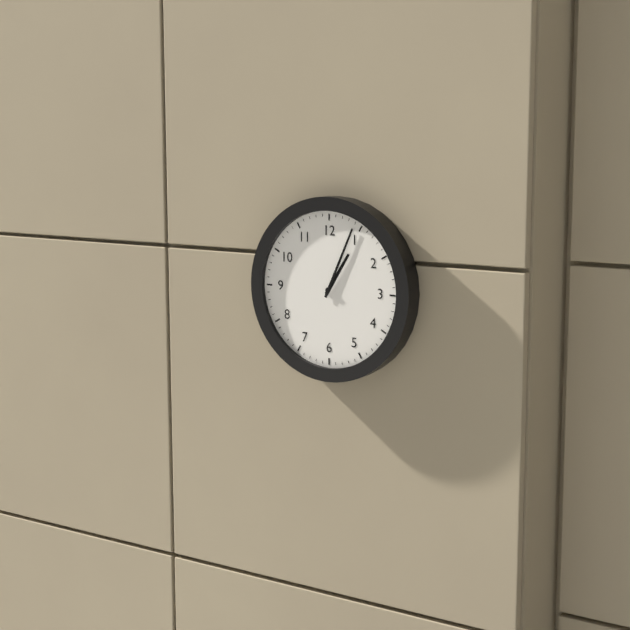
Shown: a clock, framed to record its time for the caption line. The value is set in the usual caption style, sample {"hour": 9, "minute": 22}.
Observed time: {"hour": 1, "minute": 4}
